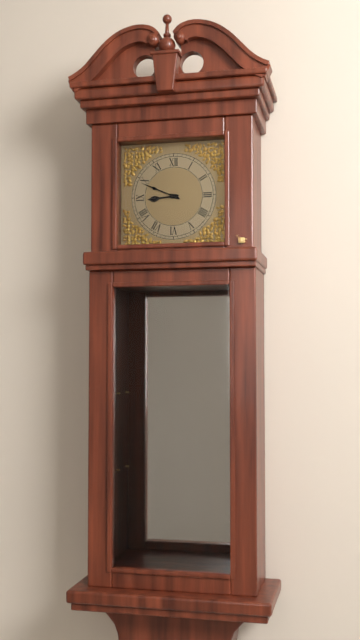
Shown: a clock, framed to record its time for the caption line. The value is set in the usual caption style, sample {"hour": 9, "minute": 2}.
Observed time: {"hour": 8, "minute": 49}
